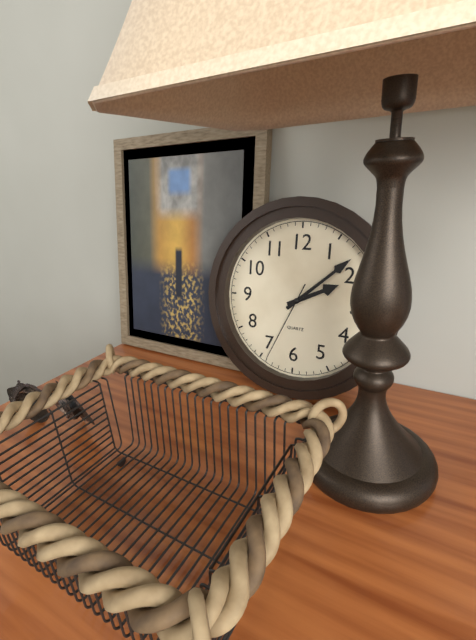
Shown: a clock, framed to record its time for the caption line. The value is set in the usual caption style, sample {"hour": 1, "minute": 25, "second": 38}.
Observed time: {"hour": 2, "minute": 8, "second": 34}
